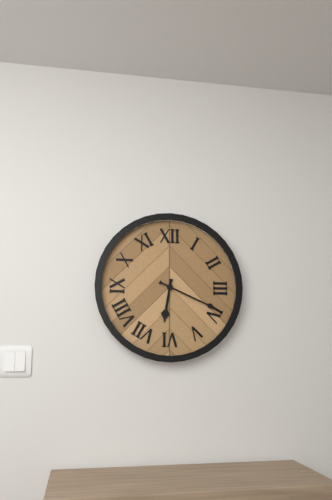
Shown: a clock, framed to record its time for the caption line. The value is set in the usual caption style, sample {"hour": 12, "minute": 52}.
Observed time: {"hour": 6, "minute": 19}
